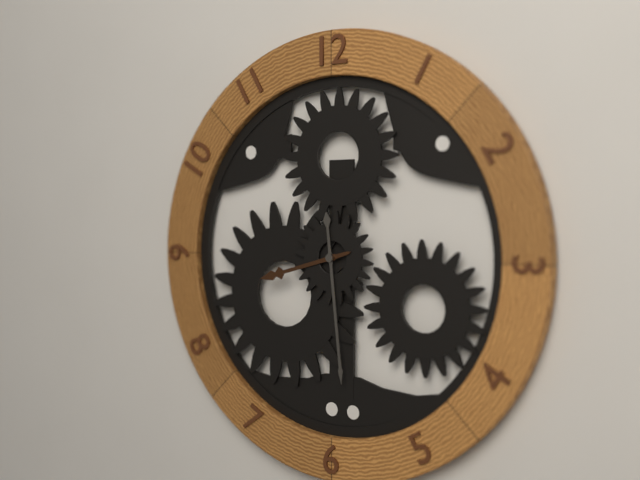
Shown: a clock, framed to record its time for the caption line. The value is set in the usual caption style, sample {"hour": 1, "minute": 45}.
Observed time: {"hour": 8, "minute": 29}
